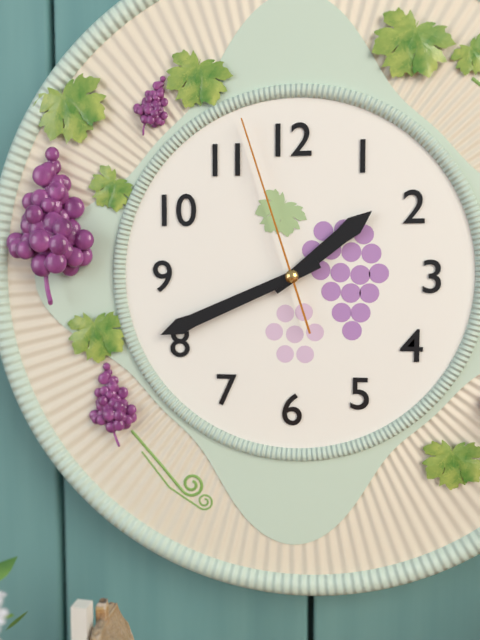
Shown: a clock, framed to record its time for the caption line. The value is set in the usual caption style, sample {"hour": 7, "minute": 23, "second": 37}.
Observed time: {"hour": 1, "minute": 41, "second": 57}
